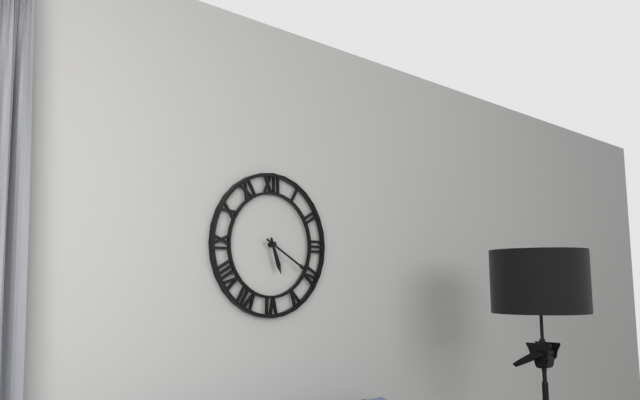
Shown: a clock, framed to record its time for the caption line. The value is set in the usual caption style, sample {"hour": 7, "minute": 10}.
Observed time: {"hour": 5, "minute": 20}
